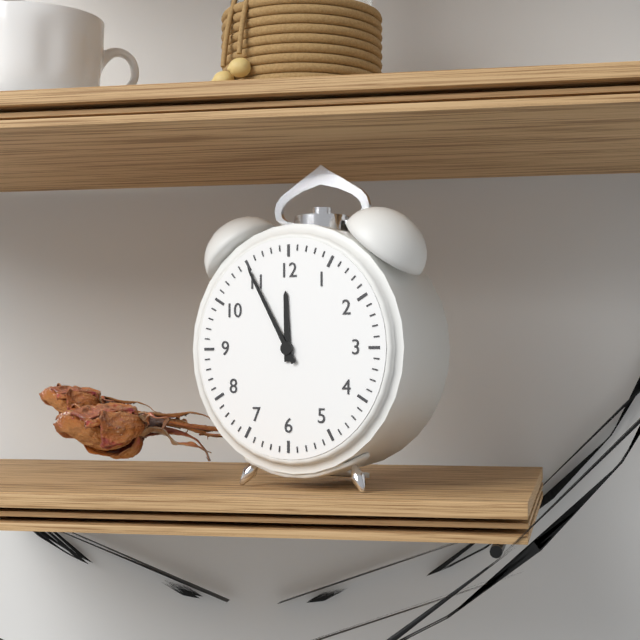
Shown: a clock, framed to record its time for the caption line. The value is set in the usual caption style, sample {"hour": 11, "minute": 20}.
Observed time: {"hour": 11, "minute": 55}
